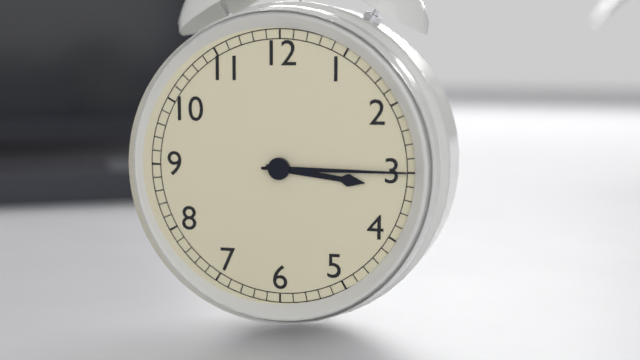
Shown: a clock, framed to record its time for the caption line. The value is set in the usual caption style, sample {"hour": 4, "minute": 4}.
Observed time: {"hour": 3, "minute": 15}
